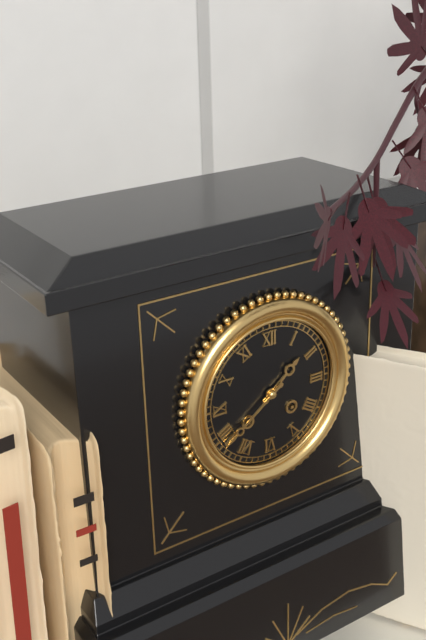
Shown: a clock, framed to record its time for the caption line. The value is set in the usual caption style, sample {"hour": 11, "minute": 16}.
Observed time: {"hour": 1, "minute": 39}
